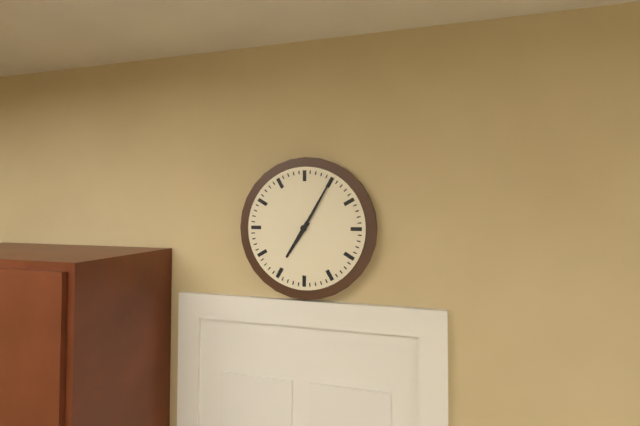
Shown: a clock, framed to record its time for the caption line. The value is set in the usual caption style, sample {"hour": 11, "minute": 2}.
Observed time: {"hour": 7, "minute": 5}
